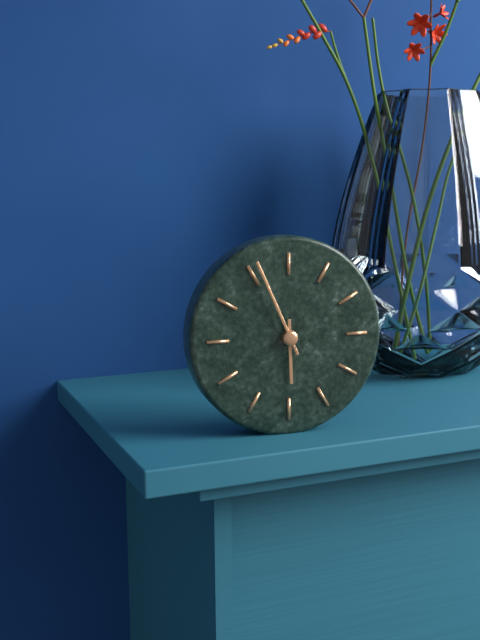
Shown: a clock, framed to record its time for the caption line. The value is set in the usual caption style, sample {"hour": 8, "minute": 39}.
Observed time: {"hour": 5, "minute": 56}
